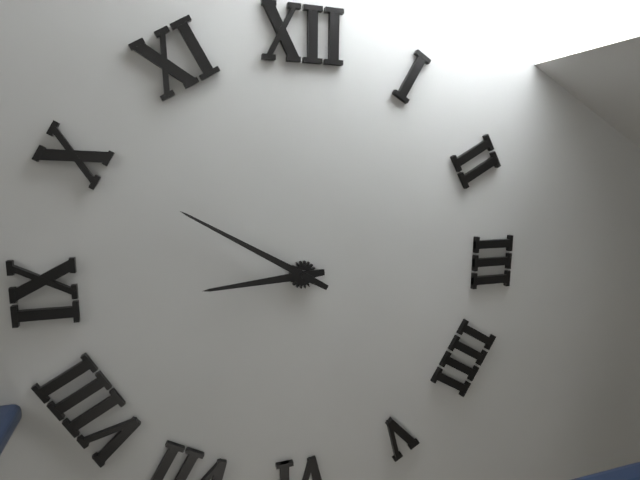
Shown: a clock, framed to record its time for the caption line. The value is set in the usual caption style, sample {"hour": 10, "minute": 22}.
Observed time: {"hour": 8, "minute": 50}
